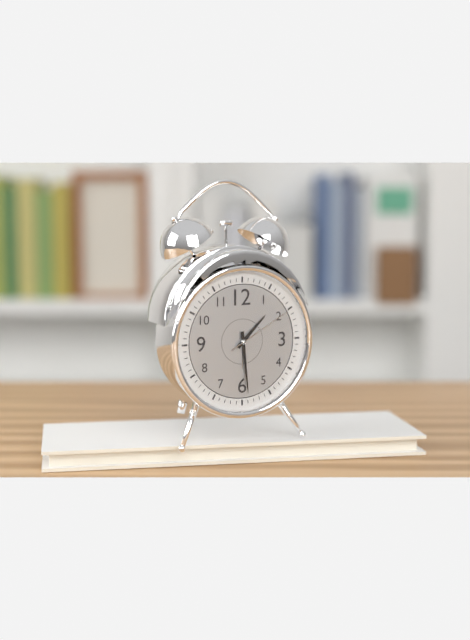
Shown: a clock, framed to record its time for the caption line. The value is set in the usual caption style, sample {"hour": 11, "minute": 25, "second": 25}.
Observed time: {"hour": 1, "minute": 29, "second": 10}
